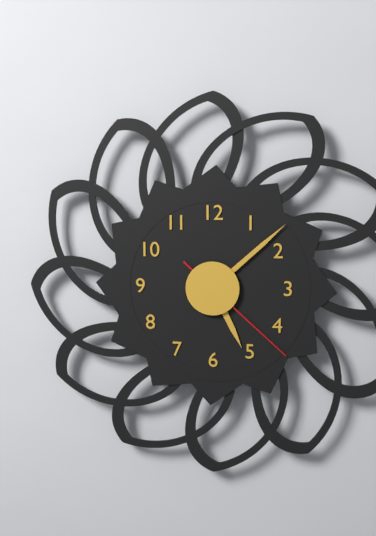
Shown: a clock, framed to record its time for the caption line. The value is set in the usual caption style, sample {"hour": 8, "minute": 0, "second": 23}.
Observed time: {"hour": 5, "minute": 8, "second": 22}
